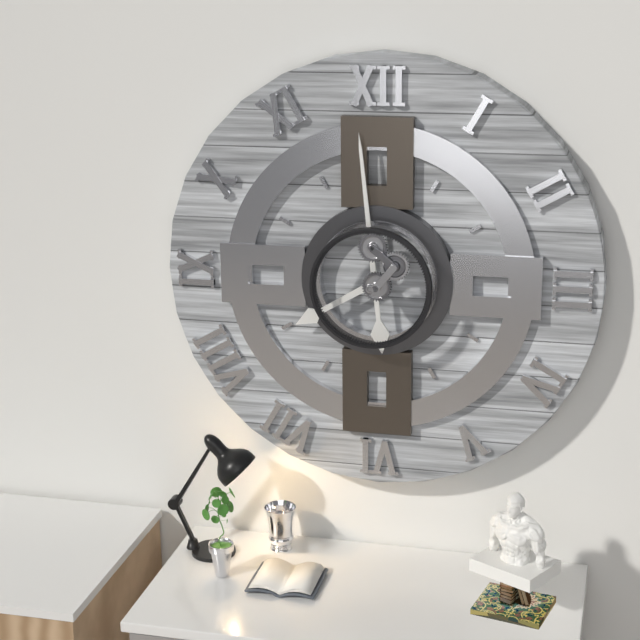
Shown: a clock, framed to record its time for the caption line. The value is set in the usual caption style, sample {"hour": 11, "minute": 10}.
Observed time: {"hour": 7, "minute": 59}
